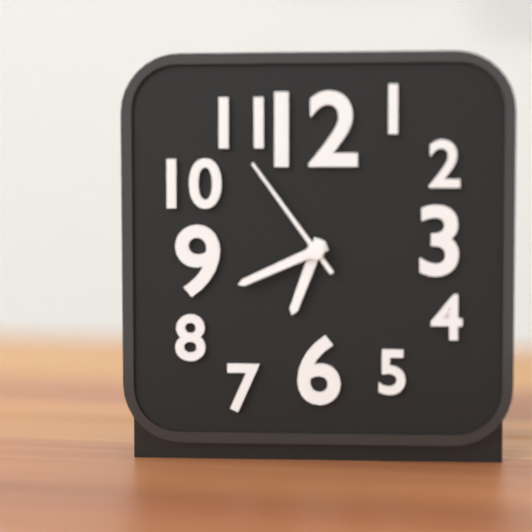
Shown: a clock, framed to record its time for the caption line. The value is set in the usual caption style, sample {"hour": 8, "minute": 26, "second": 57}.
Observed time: {"hour": 6, "minute": 41, "second": 54}
